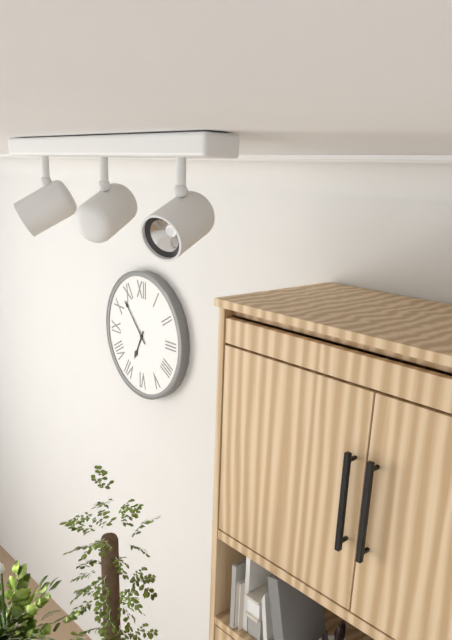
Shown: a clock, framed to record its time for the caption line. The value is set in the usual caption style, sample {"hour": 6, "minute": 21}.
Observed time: {"hour": 6, "minute": 53}
